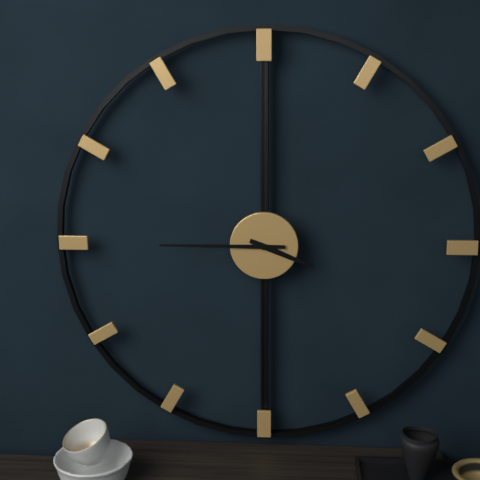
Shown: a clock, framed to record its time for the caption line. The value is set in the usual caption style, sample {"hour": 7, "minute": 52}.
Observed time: {"hour": 3, "minute": 45}
